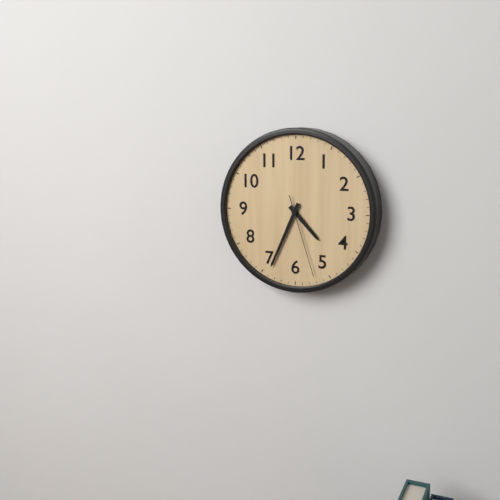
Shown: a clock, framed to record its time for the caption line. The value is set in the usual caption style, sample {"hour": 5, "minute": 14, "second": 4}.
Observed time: {"hour": 4, "minute": 34, "second": 27}
